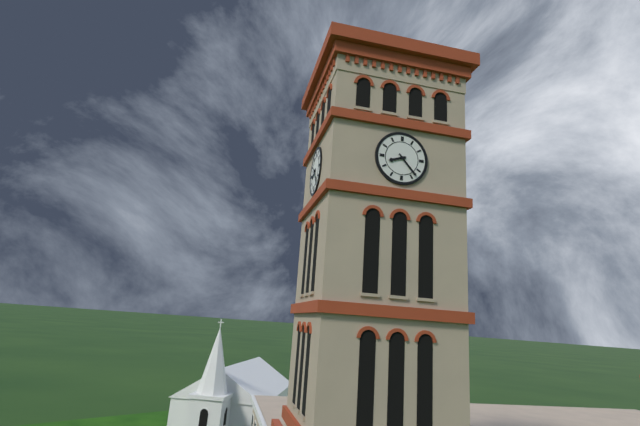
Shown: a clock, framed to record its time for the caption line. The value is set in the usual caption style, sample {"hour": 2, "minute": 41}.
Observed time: {"hour": 8, "minute": 23}
